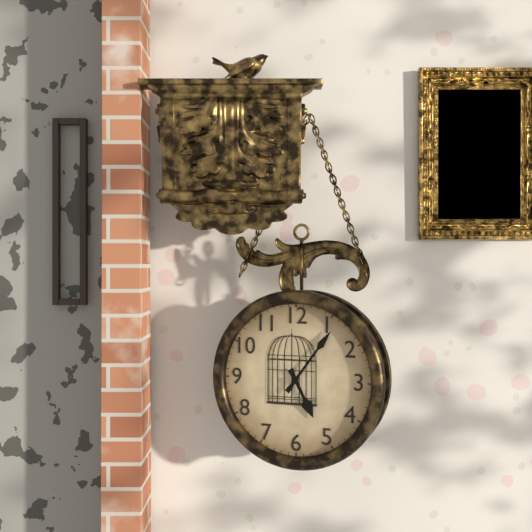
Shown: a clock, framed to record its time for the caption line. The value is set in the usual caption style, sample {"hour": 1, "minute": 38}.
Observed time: {"hour": 5, "minute": 6}
